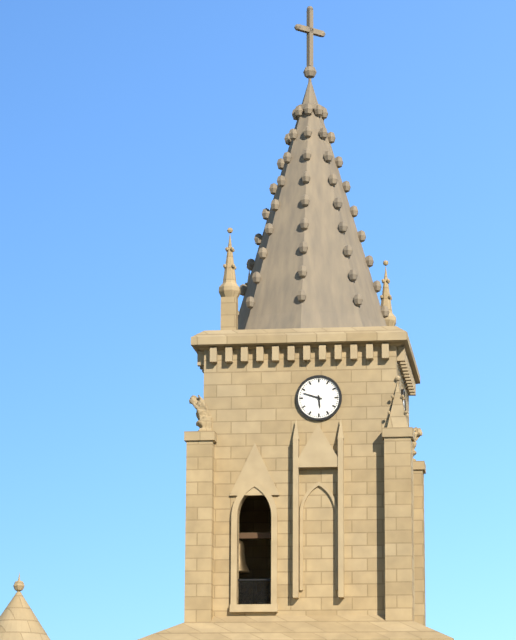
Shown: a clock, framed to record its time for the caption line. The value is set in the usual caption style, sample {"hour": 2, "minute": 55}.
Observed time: {"hour": 5, "minute": 48}
